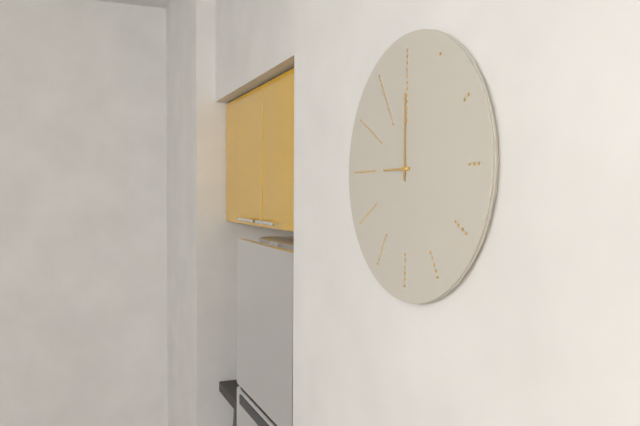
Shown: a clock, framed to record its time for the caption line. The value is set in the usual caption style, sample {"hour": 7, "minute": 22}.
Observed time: {"hour": 9, "minute": 0}
